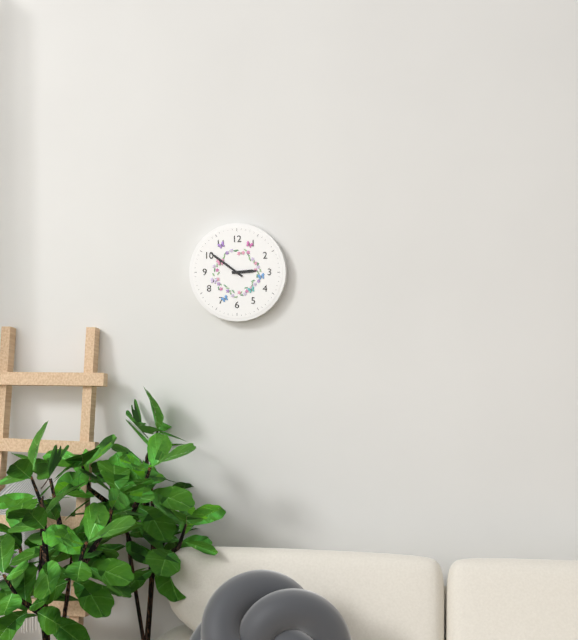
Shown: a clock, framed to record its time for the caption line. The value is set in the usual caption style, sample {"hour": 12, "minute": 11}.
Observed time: {"hour": 2, "minute": 51}
